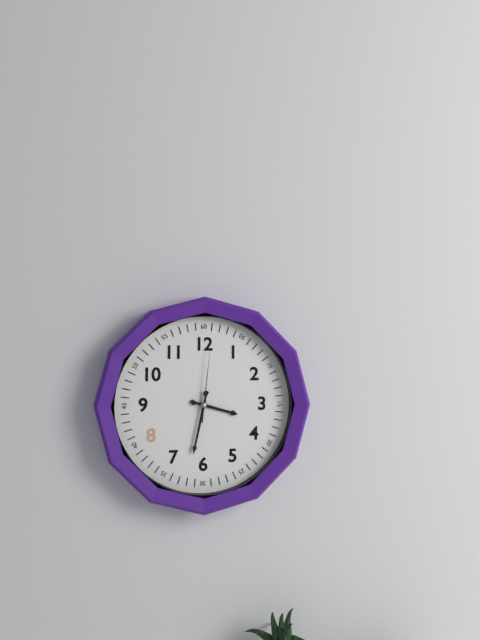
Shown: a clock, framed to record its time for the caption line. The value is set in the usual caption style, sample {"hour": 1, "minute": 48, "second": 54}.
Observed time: {"hour": 3, "minute": 32, "second": 1}
